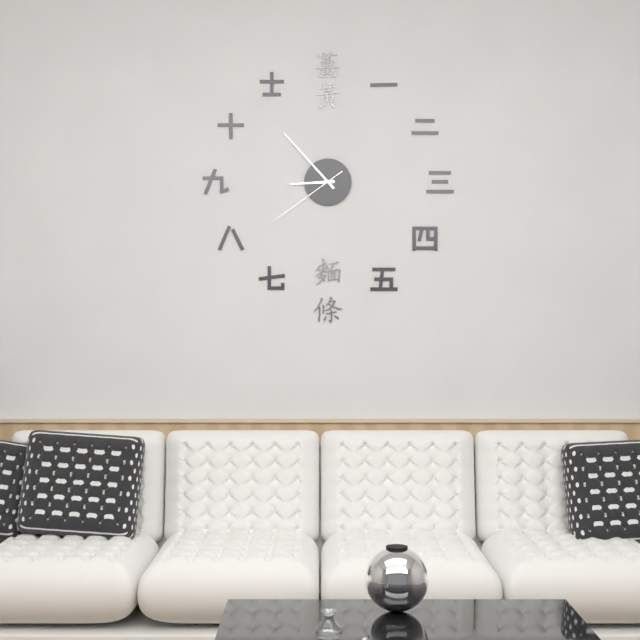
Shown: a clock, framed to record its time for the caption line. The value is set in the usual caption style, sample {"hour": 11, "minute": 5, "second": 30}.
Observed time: {"hour": 8, "minute": 53, "second": 39}
